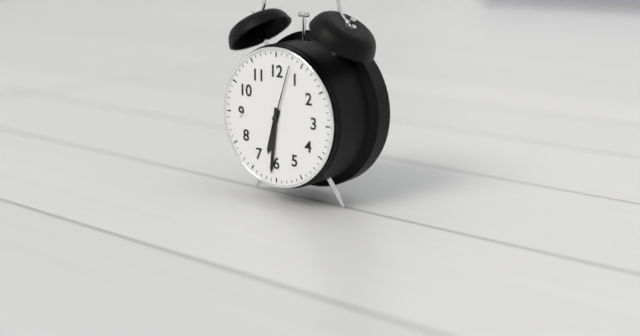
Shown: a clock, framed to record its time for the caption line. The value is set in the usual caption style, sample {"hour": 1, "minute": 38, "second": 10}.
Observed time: {"hour": 6, "minute": 31, "second": 3}
